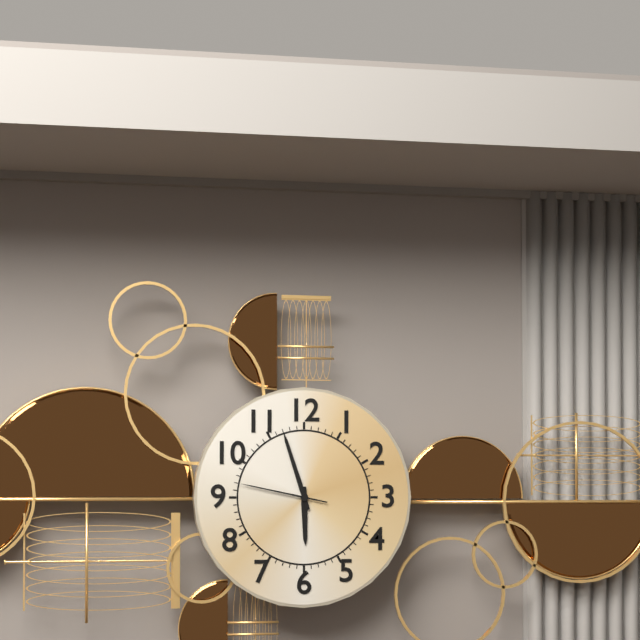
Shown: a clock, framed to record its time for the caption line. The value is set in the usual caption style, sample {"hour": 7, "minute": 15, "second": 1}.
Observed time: {"hour": 5, "minute": 57, "second": 47}
